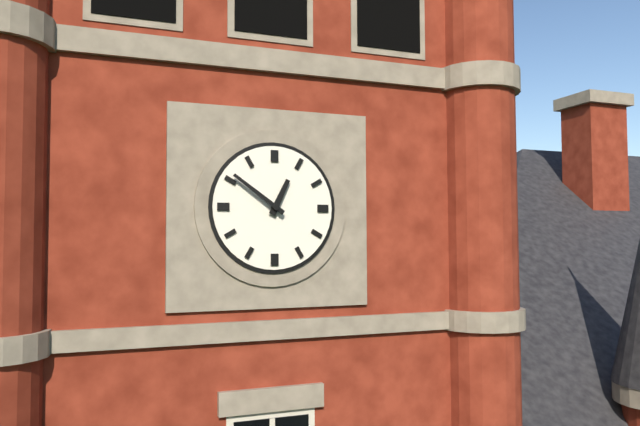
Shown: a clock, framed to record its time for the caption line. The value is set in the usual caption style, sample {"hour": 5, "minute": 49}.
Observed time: {"hour": 12, "minute": 51}
